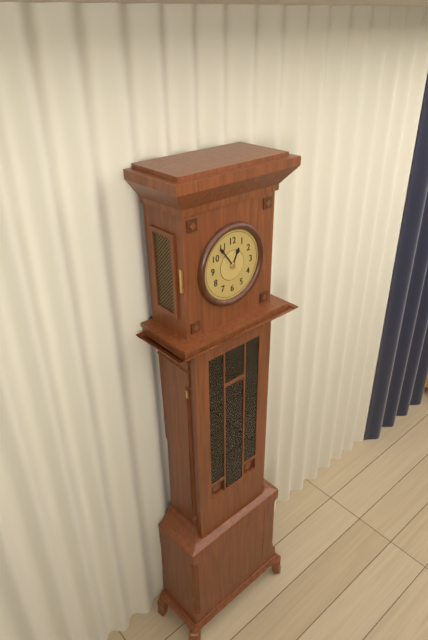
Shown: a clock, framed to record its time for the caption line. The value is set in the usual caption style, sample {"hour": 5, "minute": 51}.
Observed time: {"hour": 12, "minute": 54}
